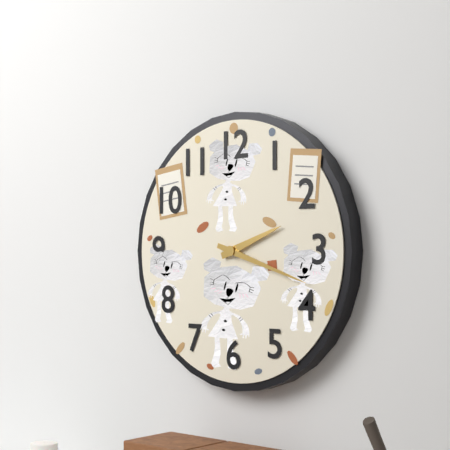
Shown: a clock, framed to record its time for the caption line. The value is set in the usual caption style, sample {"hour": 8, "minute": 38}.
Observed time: {"hour": 2, "minute": 18}
